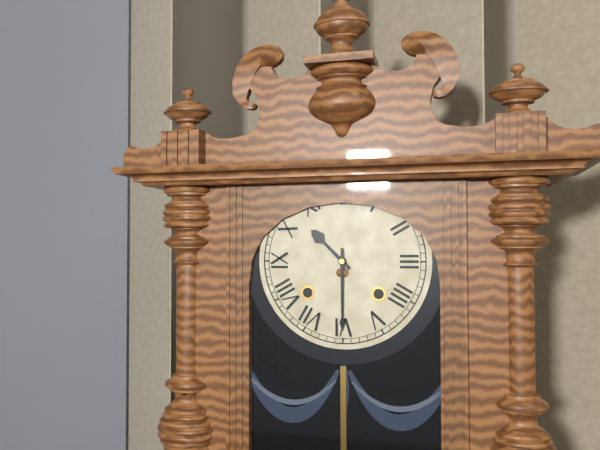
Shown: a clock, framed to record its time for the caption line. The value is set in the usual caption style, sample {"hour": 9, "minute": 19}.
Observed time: {"hour": 10, "minute": 30}
